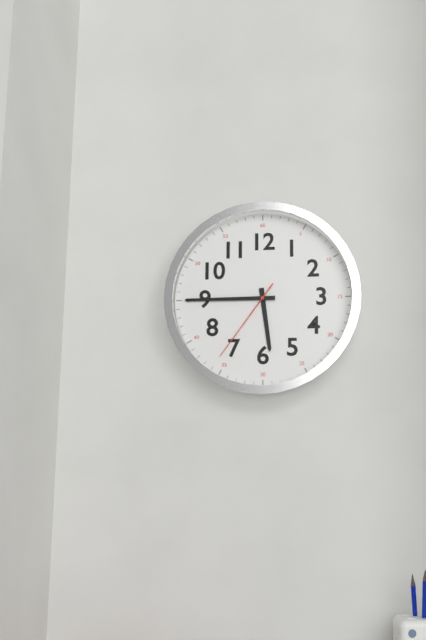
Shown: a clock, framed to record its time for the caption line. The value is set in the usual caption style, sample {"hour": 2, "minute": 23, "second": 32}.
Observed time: {"hour": 5, "minute": 45, "second": 36}
